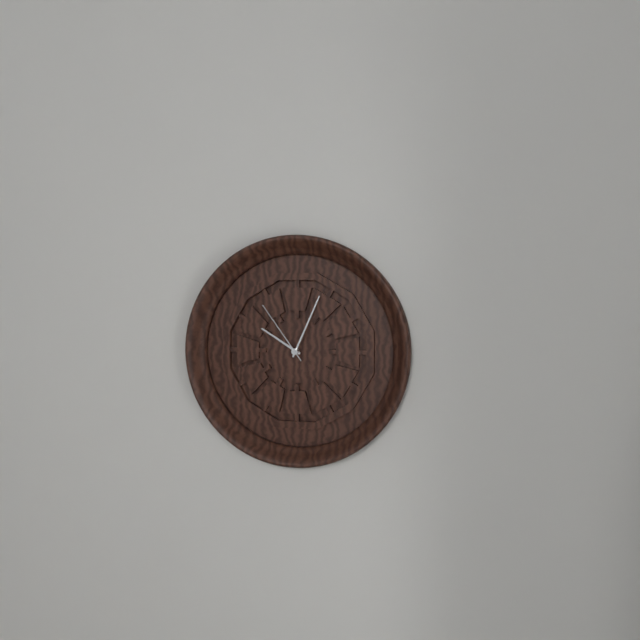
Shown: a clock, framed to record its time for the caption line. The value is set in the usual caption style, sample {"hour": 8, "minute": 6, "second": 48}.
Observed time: {"hour": 10, "minute": 4, "second": 54}
